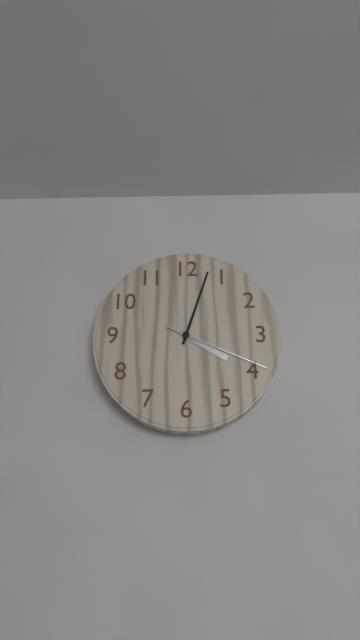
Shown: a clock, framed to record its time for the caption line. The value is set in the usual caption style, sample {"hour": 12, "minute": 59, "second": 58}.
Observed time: {"hour": 4, "minute": 3, "second": 19}
